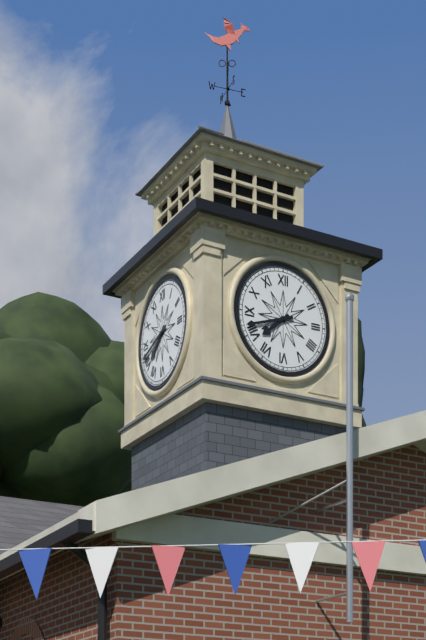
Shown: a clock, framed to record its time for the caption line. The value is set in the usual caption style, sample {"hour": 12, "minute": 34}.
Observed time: {"hour": 7, "minute": 42}
